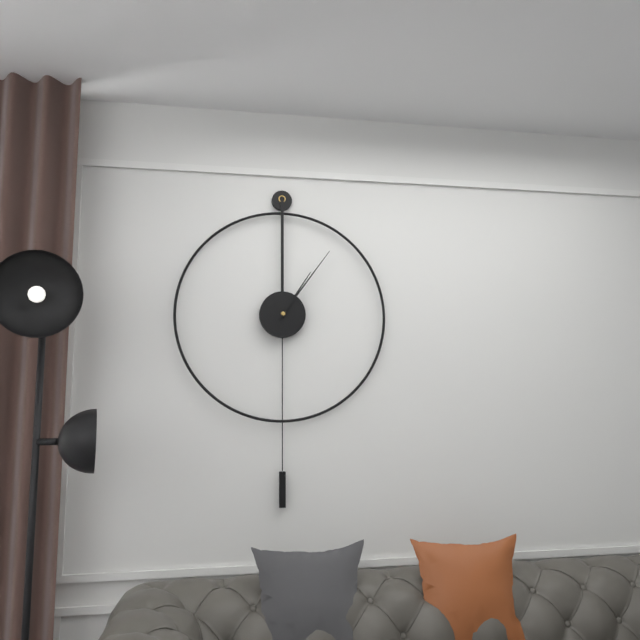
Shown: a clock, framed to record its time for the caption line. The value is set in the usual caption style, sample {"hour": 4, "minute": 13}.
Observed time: {"hour": 1, "minute": 6}
